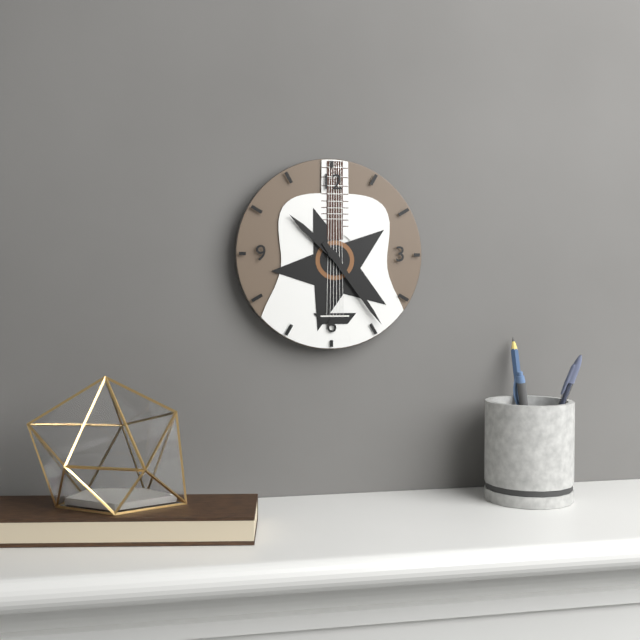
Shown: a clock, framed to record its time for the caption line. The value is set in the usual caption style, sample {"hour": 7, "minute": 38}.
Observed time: {"hour": 10, "minute": 24}
